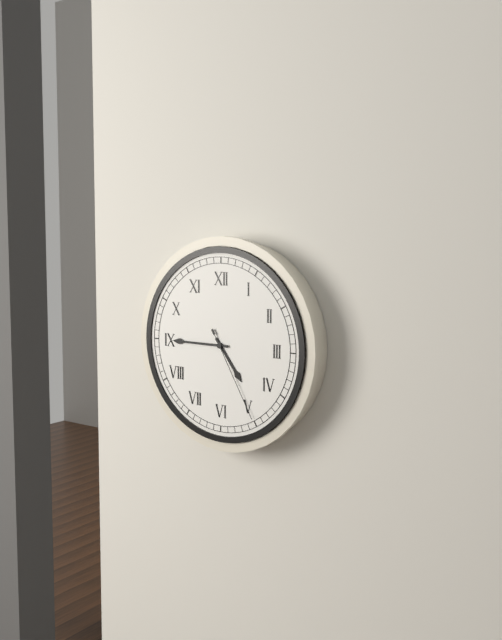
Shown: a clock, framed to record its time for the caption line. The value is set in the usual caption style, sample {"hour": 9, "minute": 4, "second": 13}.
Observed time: {"hour": 4, "minute": 45, "second": 25}
